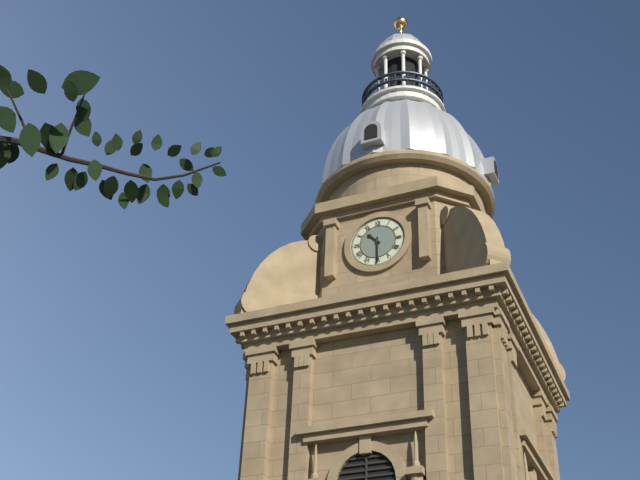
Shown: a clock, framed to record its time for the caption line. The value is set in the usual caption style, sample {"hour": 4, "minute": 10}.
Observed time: {"hour": 10, "minute": 30}
